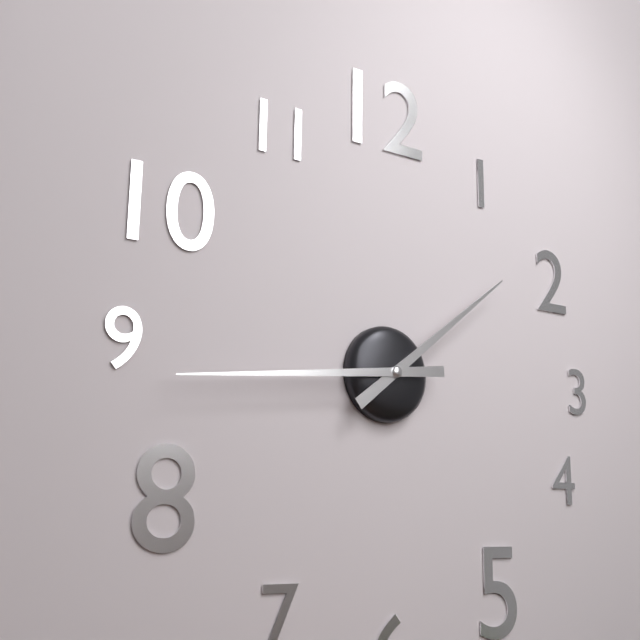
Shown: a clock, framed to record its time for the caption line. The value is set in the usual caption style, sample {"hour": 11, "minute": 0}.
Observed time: {"hour": 1, "minute": 44}
